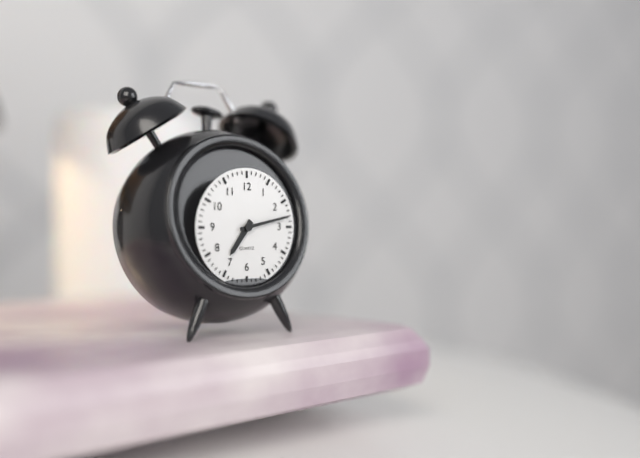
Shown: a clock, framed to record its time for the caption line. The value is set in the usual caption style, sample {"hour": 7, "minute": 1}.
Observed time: {"hour": 7, "minute": 13}
